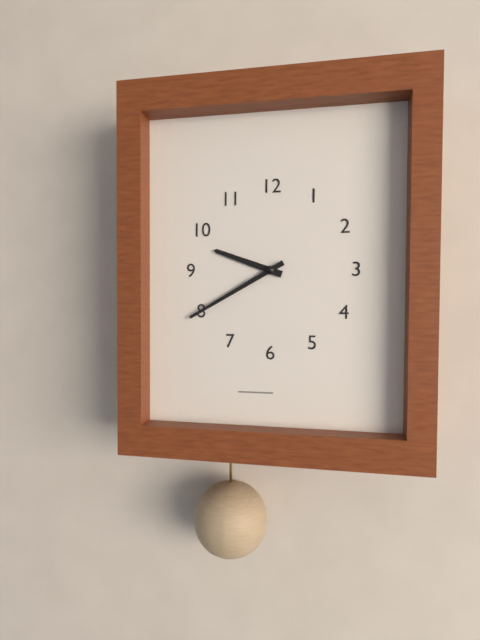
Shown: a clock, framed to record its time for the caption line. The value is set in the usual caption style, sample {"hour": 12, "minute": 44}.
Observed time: {"hour": 9, "minute": 40}
